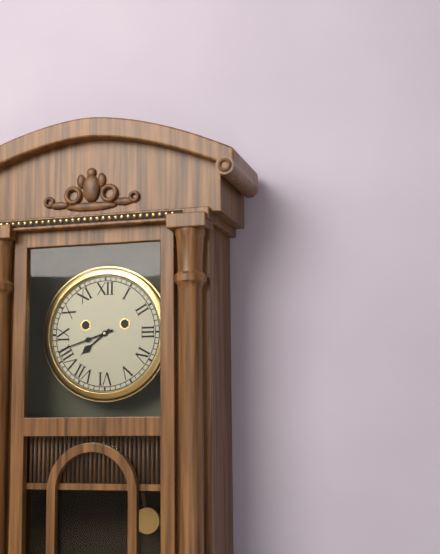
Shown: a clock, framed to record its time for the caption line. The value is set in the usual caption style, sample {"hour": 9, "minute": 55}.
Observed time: {"hour": 7, "minute": 42}
